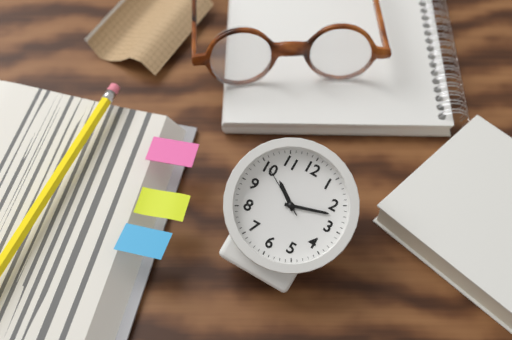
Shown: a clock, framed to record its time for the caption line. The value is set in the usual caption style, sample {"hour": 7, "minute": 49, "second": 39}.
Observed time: {"hour": 10, "minute": 12, "second": 50}
